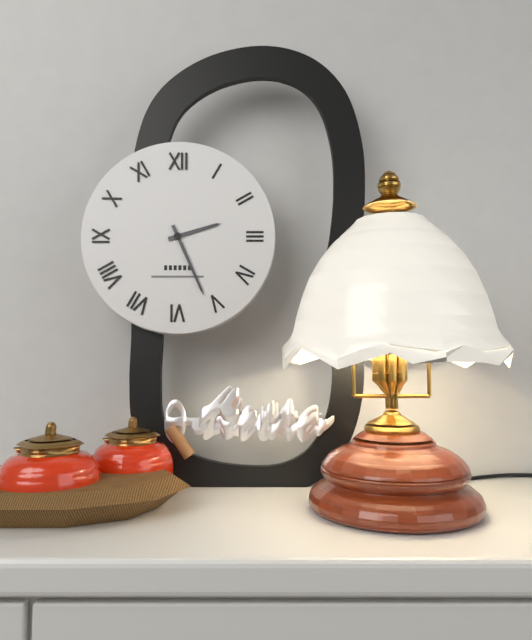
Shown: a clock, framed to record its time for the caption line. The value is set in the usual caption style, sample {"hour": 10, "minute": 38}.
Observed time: {"hour": 2, "minute": 26}
